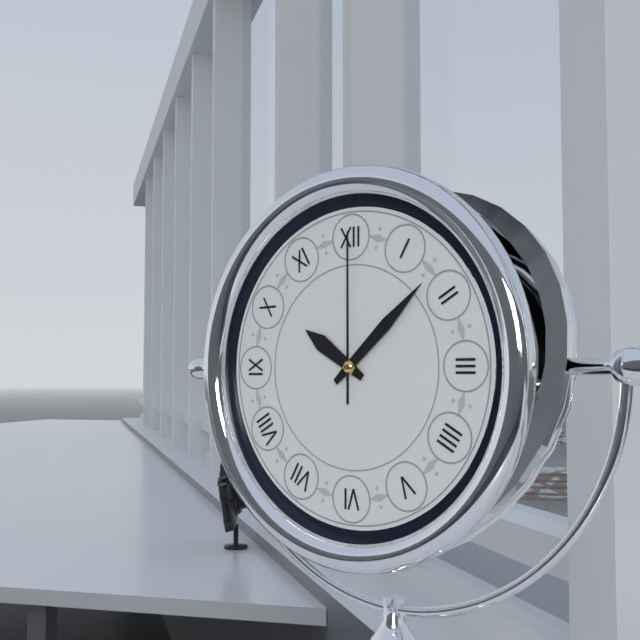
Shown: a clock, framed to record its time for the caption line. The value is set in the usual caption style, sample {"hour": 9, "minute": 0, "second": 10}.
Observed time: {"hour": 10, "minute": 8, "second": 0}
